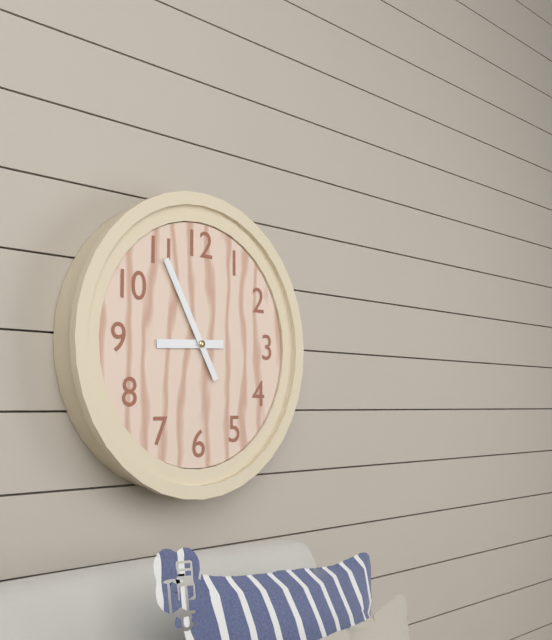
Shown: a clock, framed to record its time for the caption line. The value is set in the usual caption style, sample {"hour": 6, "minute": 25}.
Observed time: {"hour": 8, "minute": 55}
